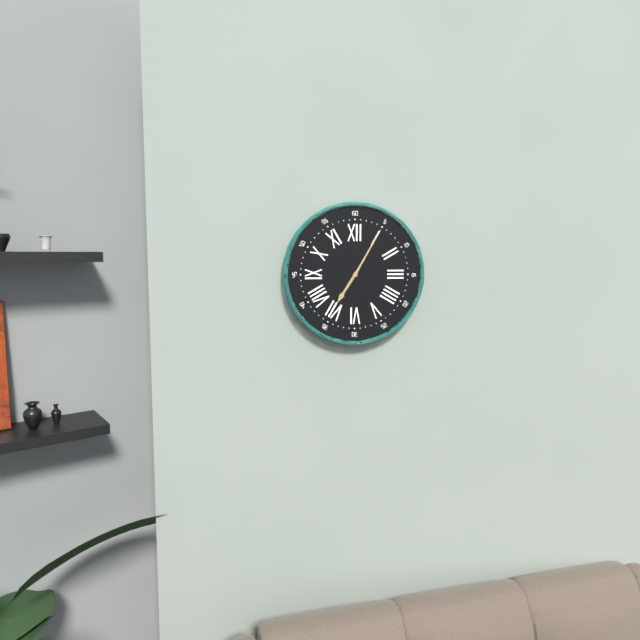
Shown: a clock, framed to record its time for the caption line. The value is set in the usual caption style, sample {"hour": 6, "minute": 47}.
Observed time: {"hour": 7, "minute": 5}
